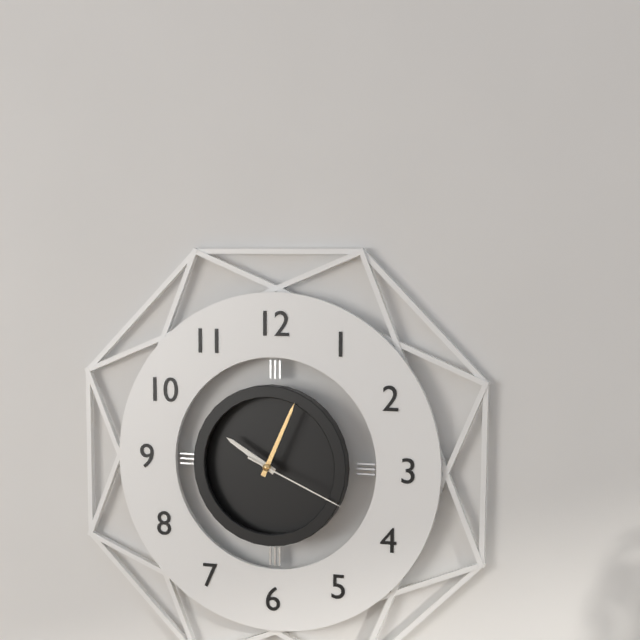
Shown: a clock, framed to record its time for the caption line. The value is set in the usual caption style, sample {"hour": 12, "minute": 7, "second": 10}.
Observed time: {"hour": 10, "minute": 4, "second": 19}
